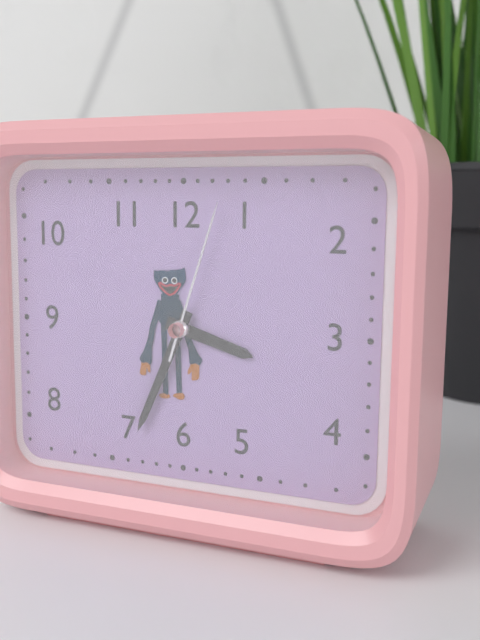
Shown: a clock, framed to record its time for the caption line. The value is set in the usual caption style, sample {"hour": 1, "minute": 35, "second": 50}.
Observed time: {"hour": 3, "minute": 34, "second": 3}
